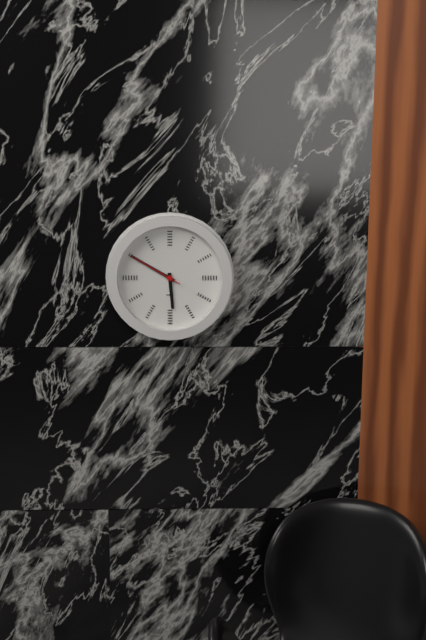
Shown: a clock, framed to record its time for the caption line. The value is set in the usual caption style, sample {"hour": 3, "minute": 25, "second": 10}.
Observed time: {"hour": 5, "minute": 50, "second": 50}
